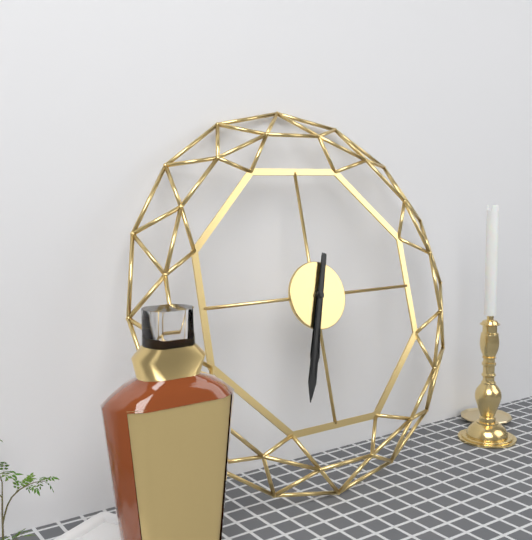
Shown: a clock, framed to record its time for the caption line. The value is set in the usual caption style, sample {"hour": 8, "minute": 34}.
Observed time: {"hour": 6, "minute": 33}
